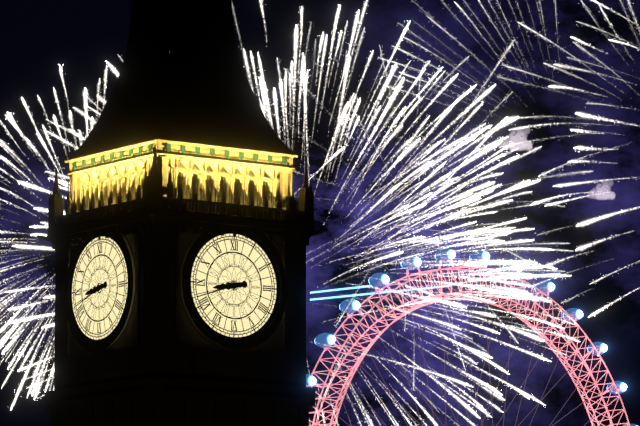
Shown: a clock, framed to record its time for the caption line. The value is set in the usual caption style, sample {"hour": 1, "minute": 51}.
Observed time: {"hour": 8, "minute": 42}
